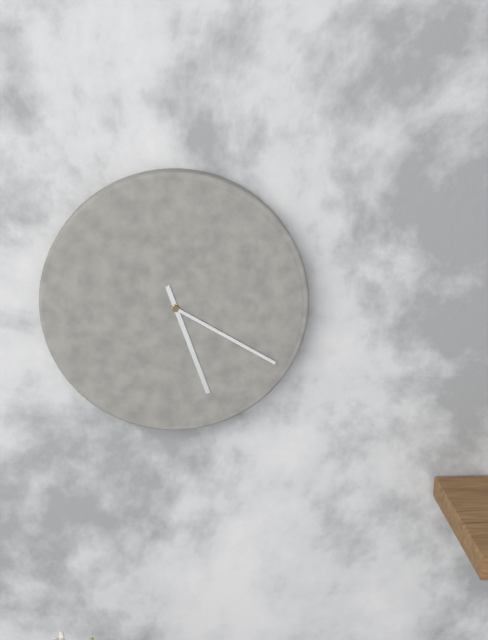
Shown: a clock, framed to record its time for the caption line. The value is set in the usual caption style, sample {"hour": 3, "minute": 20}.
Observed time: {"hour": 5, "minute": 20}
